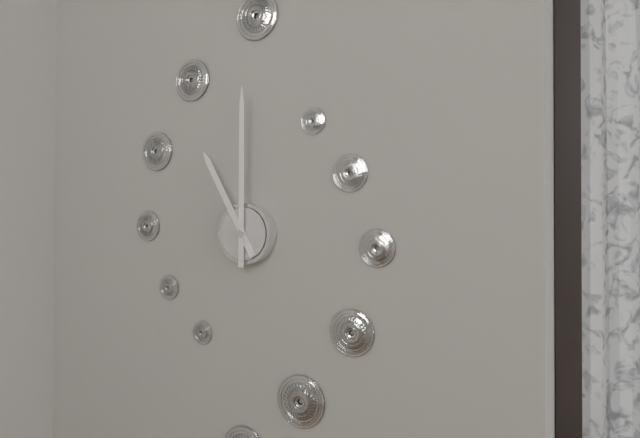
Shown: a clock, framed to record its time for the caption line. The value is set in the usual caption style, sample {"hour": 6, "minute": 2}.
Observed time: {"hour": 11, "minute": 0}
